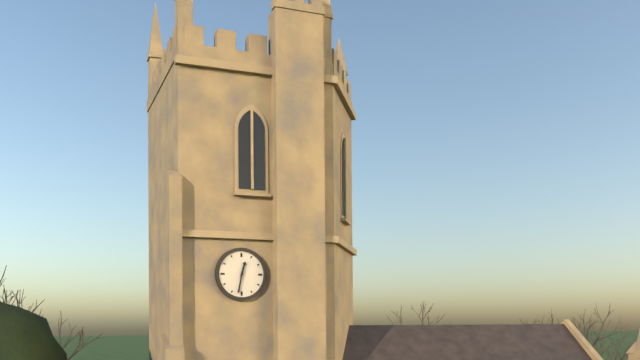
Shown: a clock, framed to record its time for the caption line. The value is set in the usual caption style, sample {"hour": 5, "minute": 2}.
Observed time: {"hour": 12, "minute": 32}
